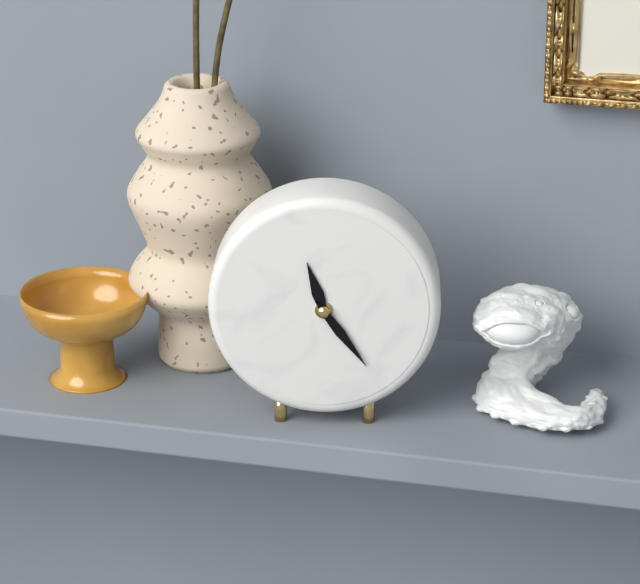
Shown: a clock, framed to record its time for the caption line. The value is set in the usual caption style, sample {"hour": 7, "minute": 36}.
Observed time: {"hour": 11, "minute": 24}
